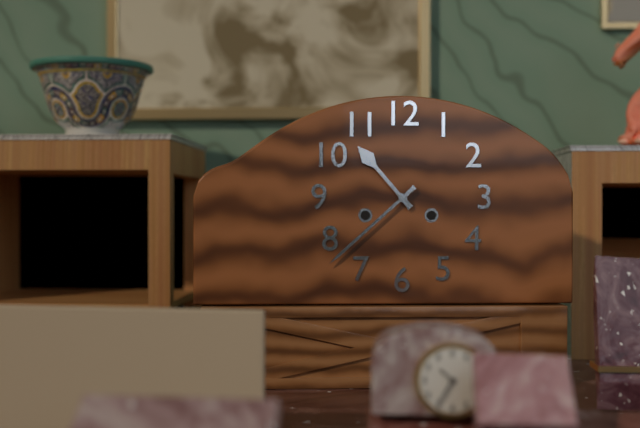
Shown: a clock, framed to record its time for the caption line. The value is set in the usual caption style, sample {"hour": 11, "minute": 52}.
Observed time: {"hour": 10, "minute": 38}
